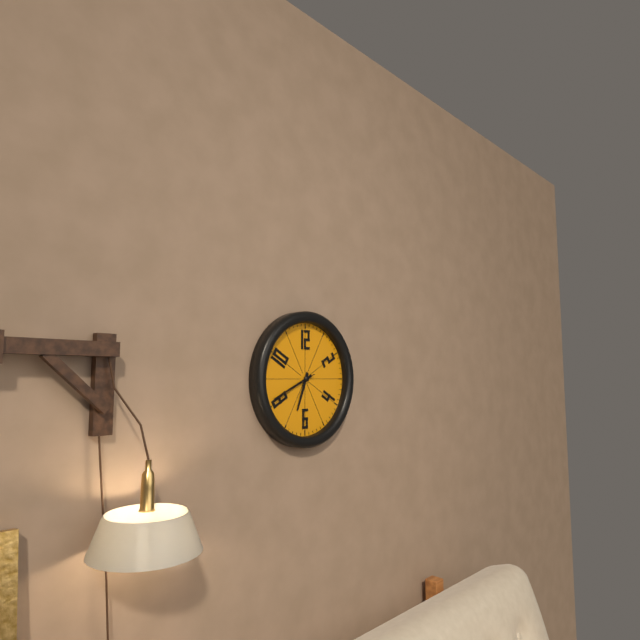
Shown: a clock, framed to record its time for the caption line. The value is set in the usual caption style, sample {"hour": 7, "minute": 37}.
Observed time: {"hour": 6, "minute": 41}
